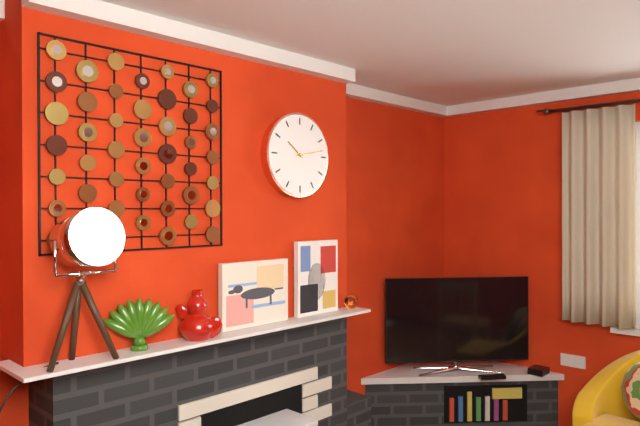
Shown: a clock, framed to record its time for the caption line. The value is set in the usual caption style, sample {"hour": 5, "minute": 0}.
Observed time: {"hour": 10, "minute": 13}
